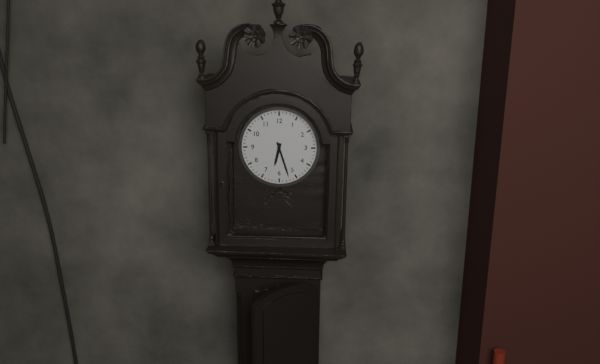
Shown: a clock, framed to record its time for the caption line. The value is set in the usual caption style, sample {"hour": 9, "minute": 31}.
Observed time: {"hour": 6, "minute": 27}
